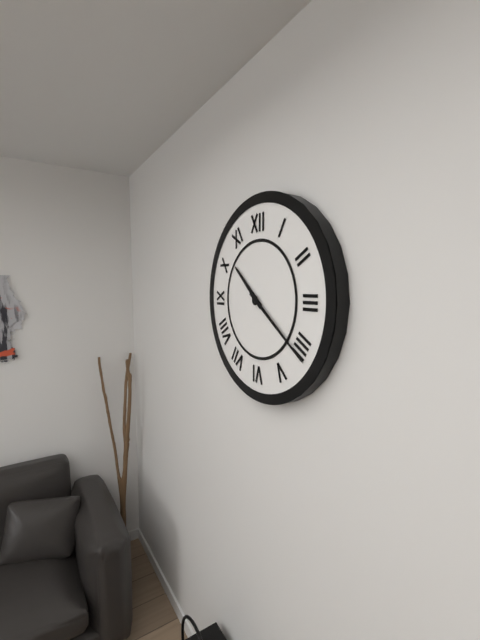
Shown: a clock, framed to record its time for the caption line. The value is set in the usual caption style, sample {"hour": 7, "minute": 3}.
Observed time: {"hour": 10, "minute": 21}
